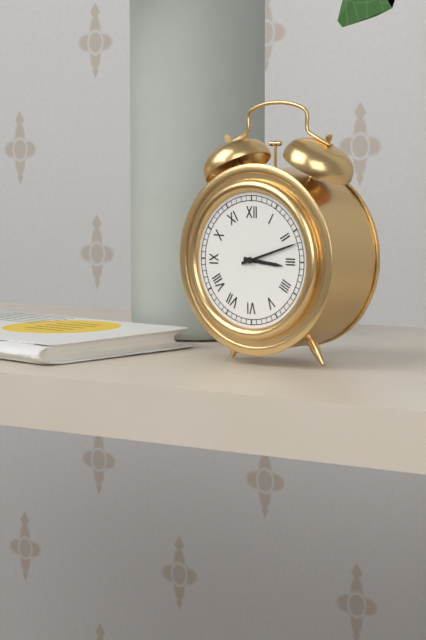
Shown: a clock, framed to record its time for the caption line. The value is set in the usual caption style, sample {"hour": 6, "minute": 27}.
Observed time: {"hour": 3, "minute": 12}
